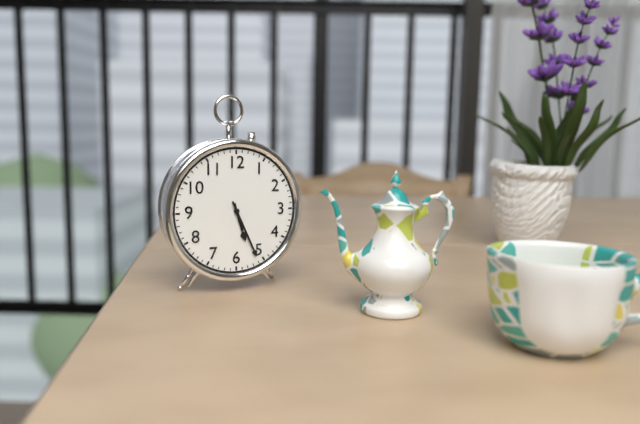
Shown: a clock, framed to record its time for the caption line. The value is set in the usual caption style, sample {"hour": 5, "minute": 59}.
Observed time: {"hour": 5, "minute": 26}
